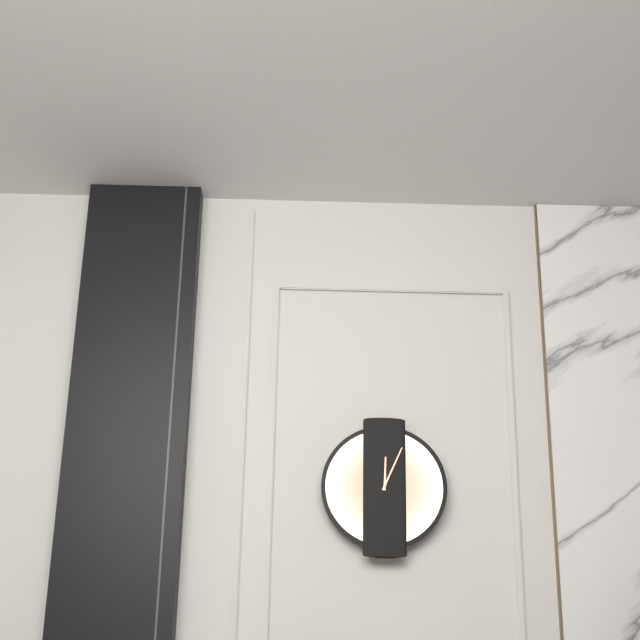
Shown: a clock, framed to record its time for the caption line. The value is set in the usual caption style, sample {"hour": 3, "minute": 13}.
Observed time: {"hour": 12, "minute": 4}
